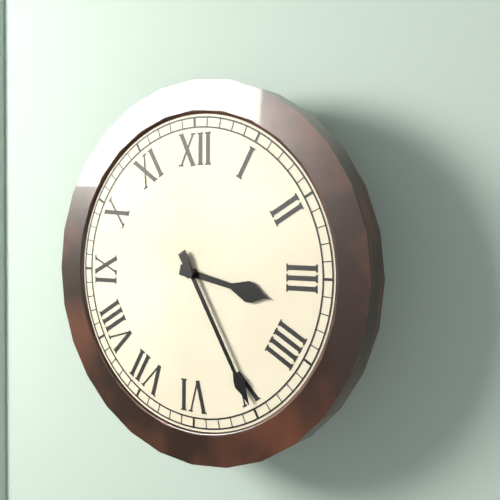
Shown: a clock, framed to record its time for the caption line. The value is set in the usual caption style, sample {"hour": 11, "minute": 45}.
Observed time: {"hour": 3, "minute": 25}
